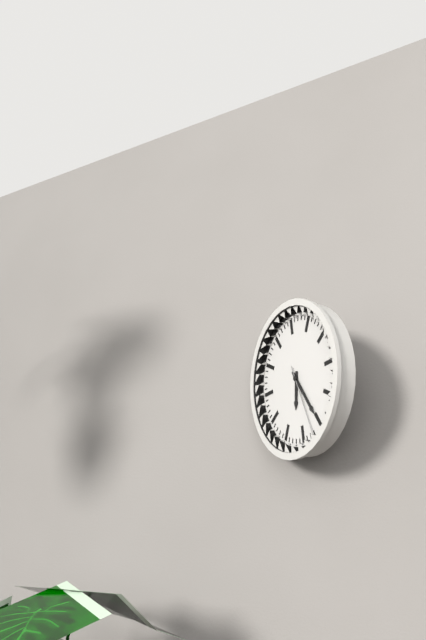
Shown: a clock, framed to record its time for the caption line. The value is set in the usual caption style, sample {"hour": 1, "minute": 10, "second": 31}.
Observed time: {"hour": 6, "minute": 25, "second": 27}
